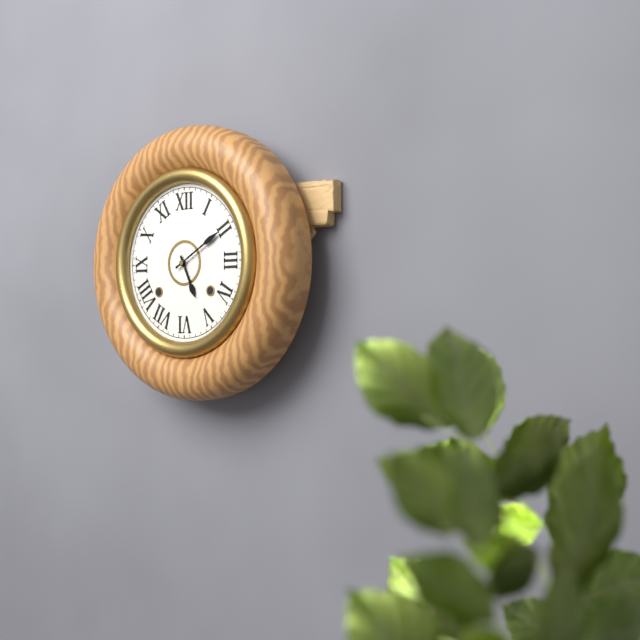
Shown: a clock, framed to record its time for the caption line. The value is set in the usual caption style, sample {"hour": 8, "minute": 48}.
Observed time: {"hour": 5, "minute": 10}
